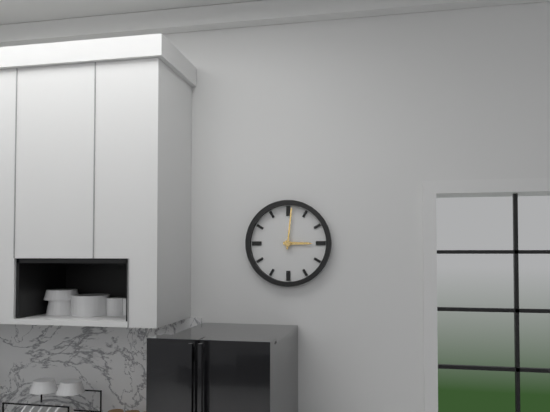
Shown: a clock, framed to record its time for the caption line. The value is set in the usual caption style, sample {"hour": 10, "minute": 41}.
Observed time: {"hour": 3, "minute": 1}
